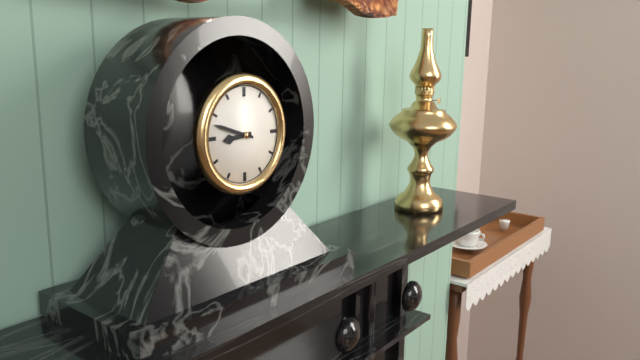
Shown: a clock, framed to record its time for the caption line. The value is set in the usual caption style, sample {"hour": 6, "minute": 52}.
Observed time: {"hour": 8, "minute": 48}
